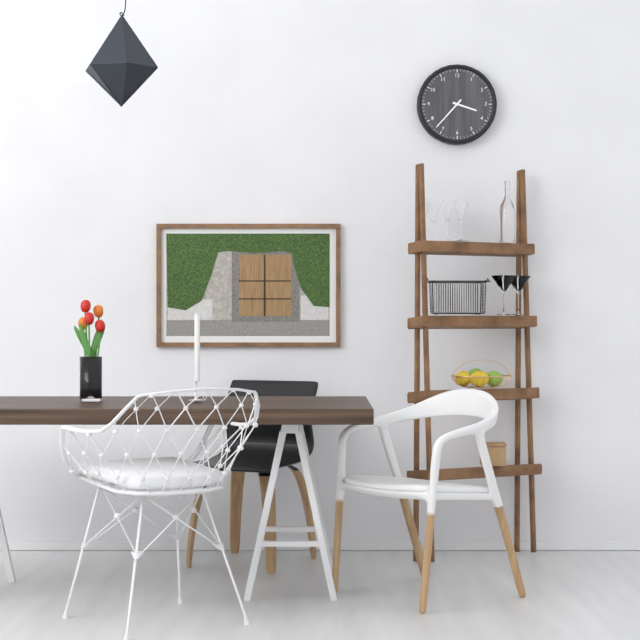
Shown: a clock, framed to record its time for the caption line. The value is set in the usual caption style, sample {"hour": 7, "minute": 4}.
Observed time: {"hour": 3, "minute": 37}
